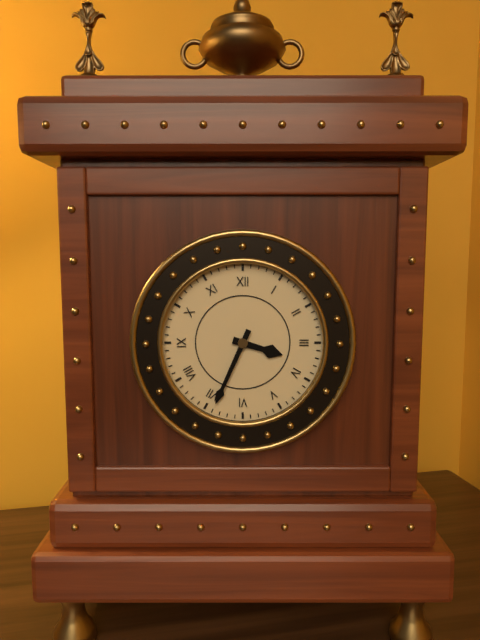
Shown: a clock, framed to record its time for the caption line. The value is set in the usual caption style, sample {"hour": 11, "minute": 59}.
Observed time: {"hour": 3, "minute": 34}
